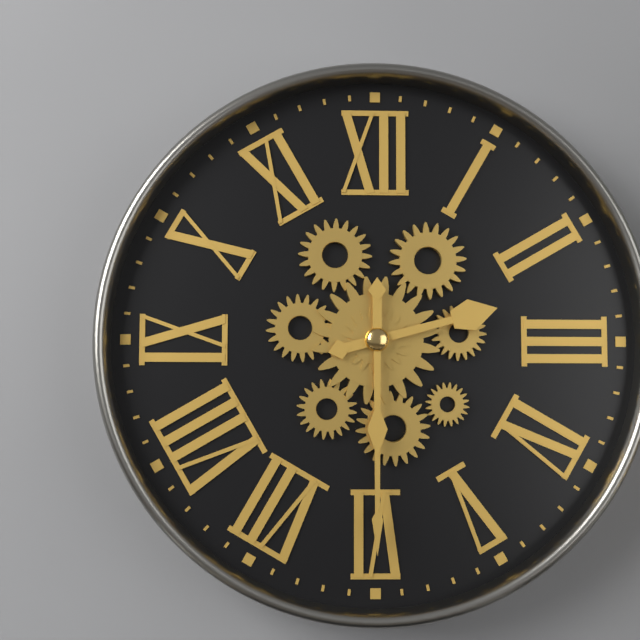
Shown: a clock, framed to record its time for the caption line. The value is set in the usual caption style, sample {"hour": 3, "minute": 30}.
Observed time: {"hour": 2, "minute": 30}
